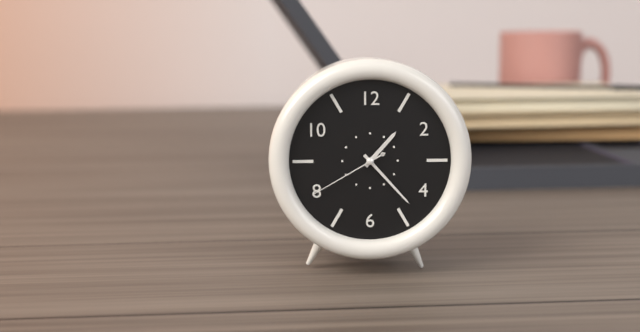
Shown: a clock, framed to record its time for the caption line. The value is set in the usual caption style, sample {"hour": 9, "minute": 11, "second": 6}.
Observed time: {"hour": 1, "minute": 23, "second": 40}
